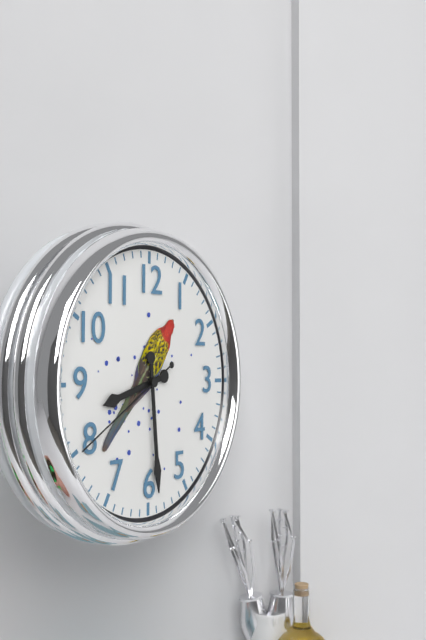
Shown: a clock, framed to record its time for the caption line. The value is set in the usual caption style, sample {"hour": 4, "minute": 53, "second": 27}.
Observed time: {"hour": 8, "minute": 29, "second": 40}
